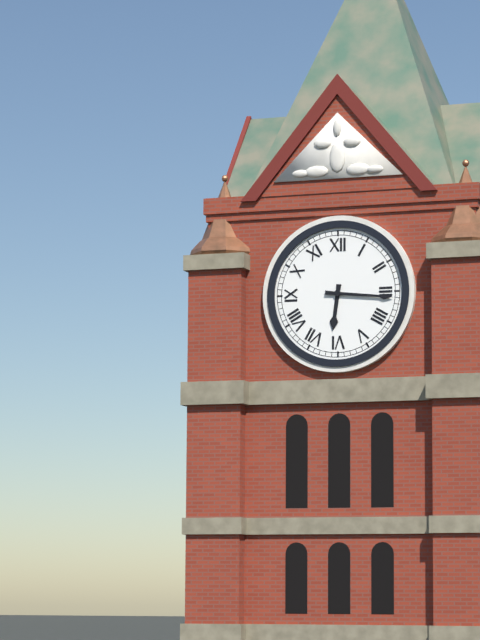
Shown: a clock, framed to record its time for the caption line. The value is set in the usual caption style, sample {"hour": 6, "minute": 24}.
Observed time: {"hour": 6, "minute": 16}
